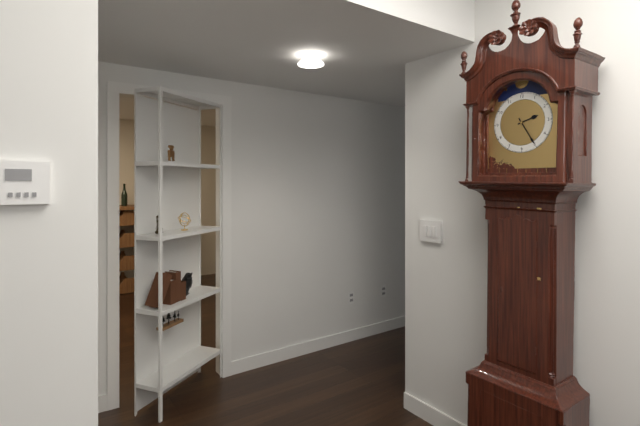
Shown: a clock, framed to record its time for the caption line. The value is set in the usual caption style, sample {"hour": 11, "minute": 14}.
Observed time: {"hour": 2, "minute": 25}
